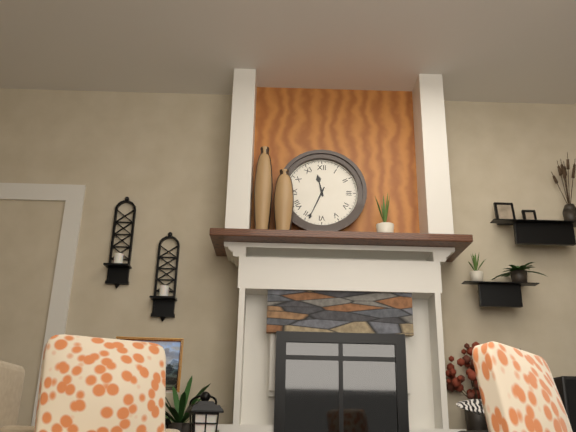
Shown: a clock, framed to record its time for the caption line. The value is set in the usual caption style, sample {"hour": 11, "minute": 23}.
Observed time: {"hour": 11, "minute": 34}
